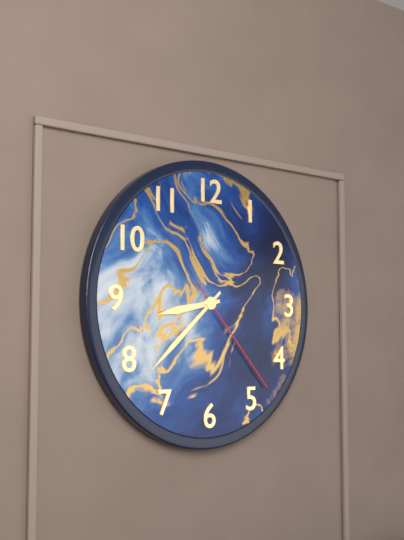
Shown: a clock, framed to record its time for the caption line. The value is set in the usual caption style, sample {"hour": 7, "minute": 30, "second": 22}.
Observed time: {"hour": 8, "minute": 38, "second": 23}
